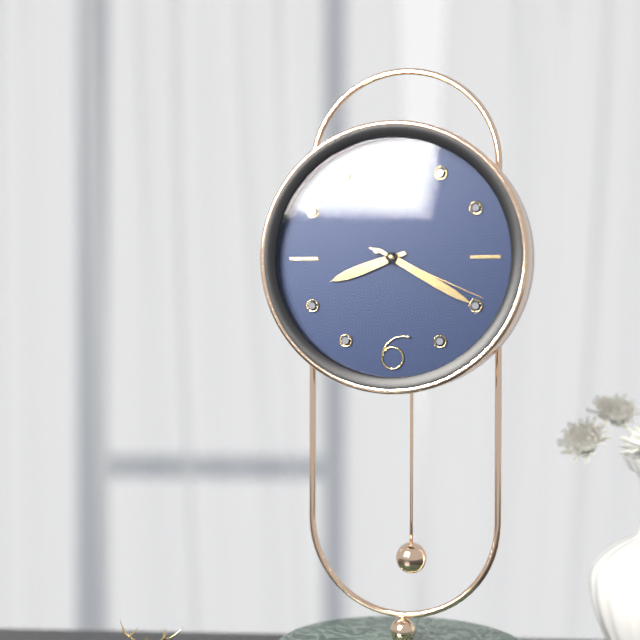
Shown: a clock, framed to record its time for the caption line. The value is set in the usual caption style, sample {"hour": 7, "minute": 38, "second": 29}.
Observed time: {"hour": 8, "minute": 20, "second": 19}
